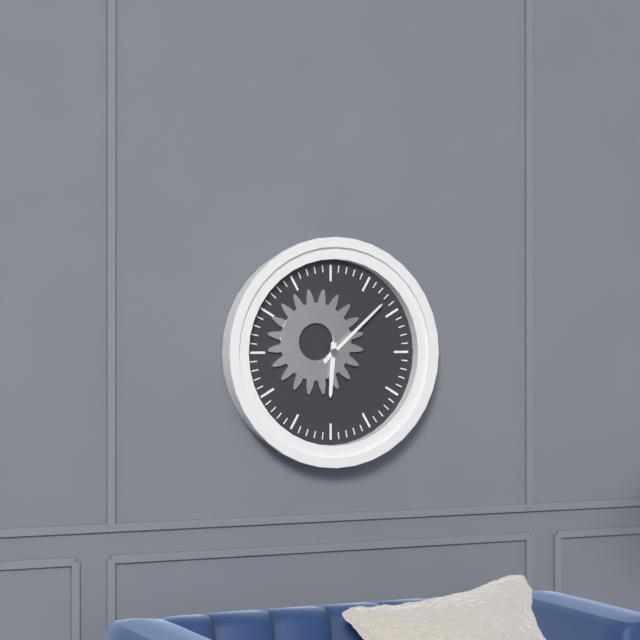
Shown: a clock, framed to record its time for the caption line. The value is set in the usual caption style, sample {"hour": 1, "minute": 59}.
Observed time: {"hour": 6, "minute": 8}
